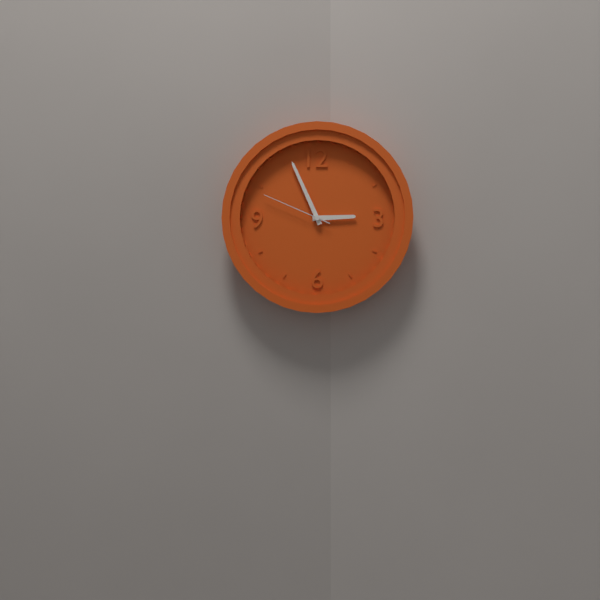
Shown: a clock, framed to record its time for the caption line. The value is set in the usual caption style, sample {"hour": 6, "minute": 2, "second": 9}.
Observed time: {"hour": 2, "minute": 56, "second": 49}
